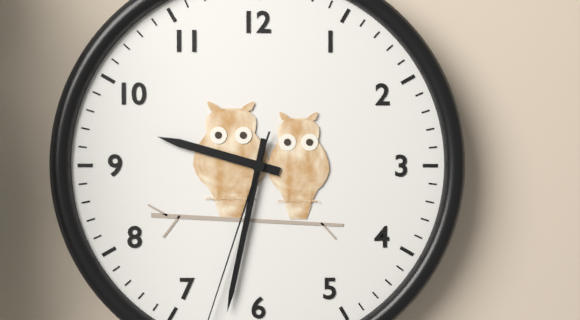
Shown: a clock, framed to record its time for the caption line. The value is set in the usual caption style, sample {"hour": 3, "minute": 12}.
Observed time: {"hour": 9, "minute": 32}
